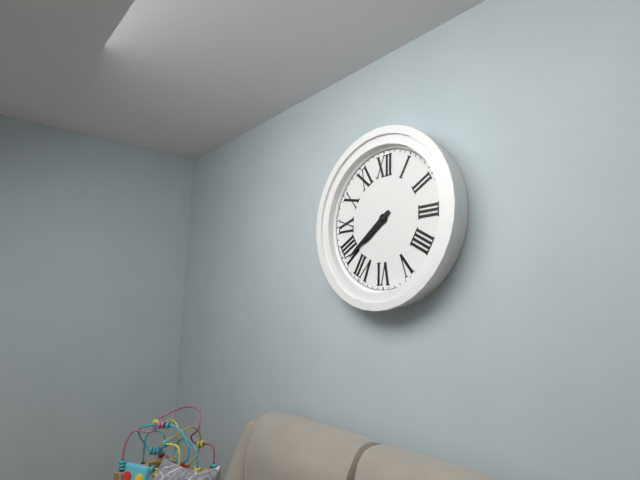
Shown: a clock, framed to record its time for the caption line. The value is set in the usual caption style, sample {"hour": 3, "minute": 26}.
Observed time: {"hour": 7, "minute": 39}
